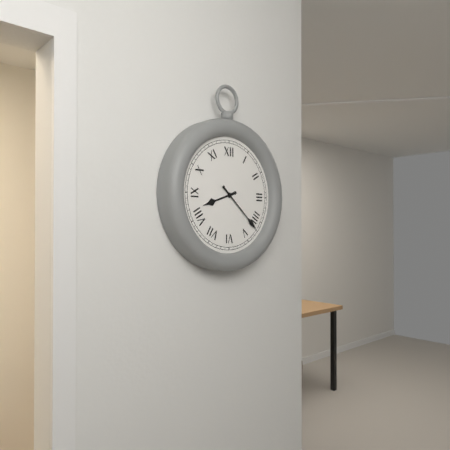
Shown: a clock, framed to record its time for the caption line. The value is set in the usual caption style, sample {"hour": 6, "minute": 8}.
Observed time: {"hour": 8, "minute": 22}
